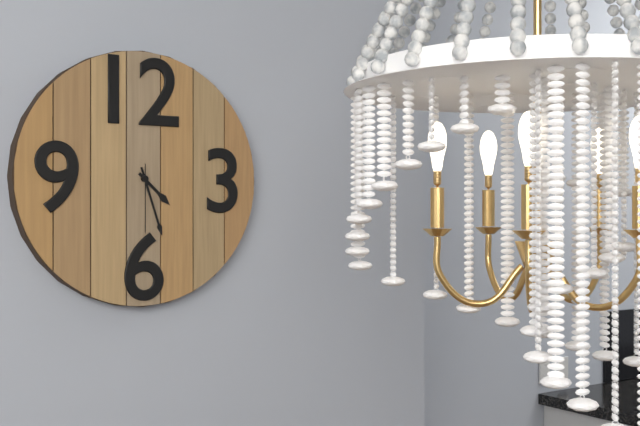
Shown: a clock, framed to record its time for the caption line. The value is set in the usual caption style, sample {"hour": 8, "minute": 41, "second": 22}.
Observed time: {"hour": 4, "minute": 27, "second": 30}
